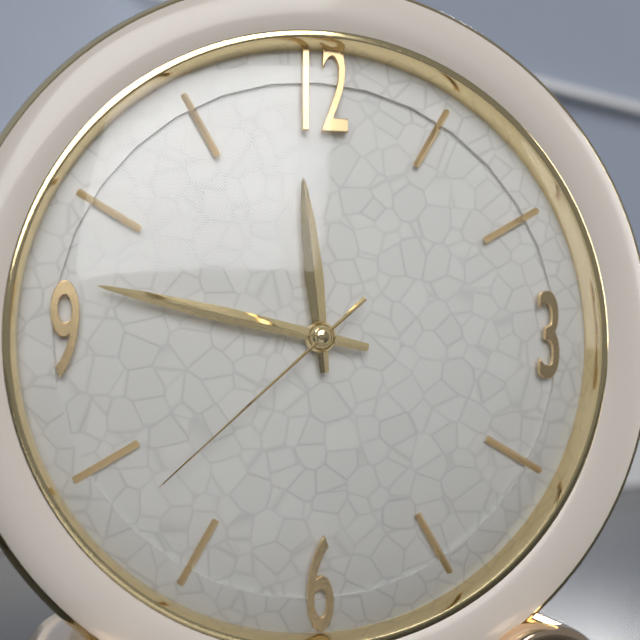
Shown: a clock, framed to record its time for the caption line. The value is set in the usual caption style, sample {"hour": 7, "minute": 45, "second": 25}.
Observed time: {"hour": 11, "minute": 47, "second": 38}
